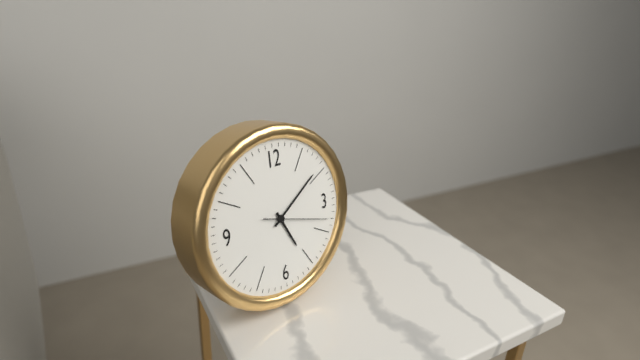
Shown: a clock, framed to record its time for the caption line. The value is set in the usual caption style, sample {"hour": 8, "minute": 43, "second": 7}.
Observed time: {"hour": 5, "minute": 9, "second": 18}
